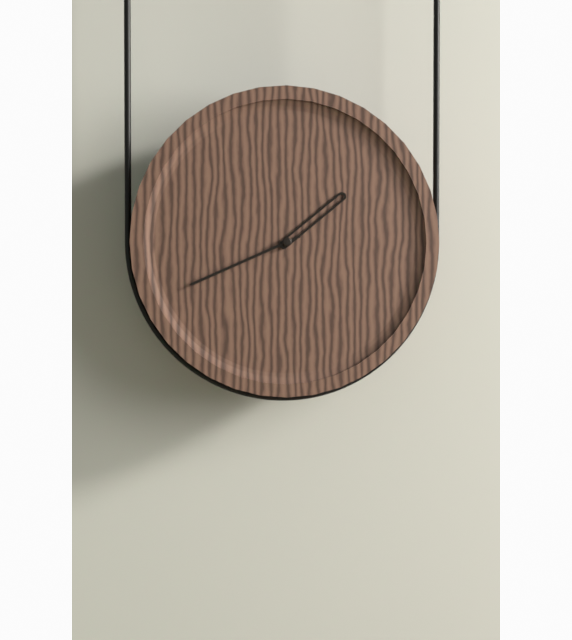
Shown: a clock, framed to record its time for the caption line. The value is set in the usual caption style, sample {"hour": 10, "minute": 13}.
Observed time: {"hour": 1, "minute": 41}
